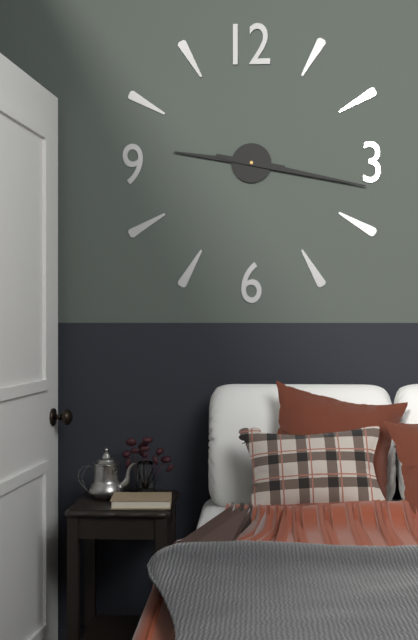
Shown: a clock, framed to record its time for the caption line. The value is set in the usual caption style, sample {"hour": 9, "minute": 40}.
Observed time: {"hour": 9, "minute": 17}
